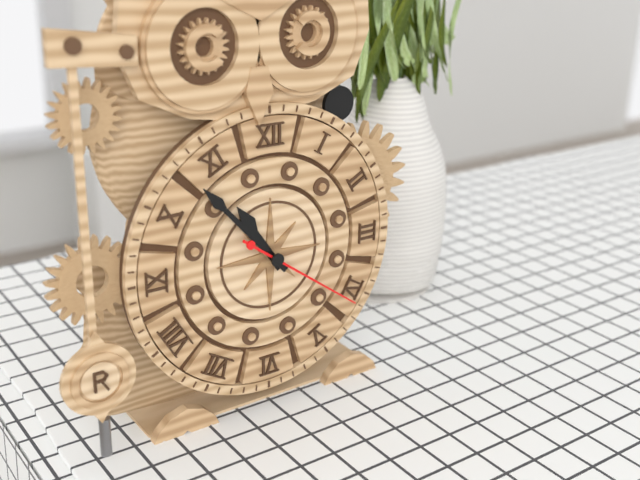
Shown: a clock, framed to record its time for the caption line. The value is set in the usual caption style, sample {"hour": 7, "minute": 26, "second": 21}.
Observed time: {"hour": 10, "minute": 53, "second": 21}
